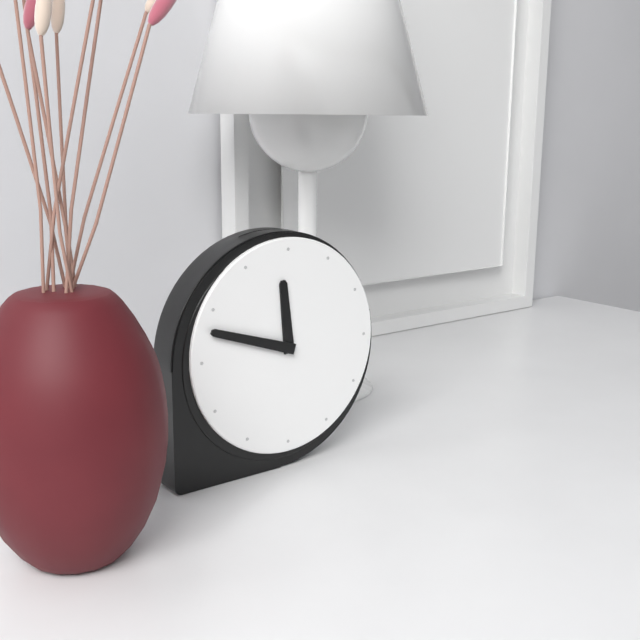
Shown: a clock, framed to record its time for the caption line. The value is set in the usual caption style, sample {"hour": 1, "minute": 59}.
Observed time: {"hour": 11, "minute": 48}
